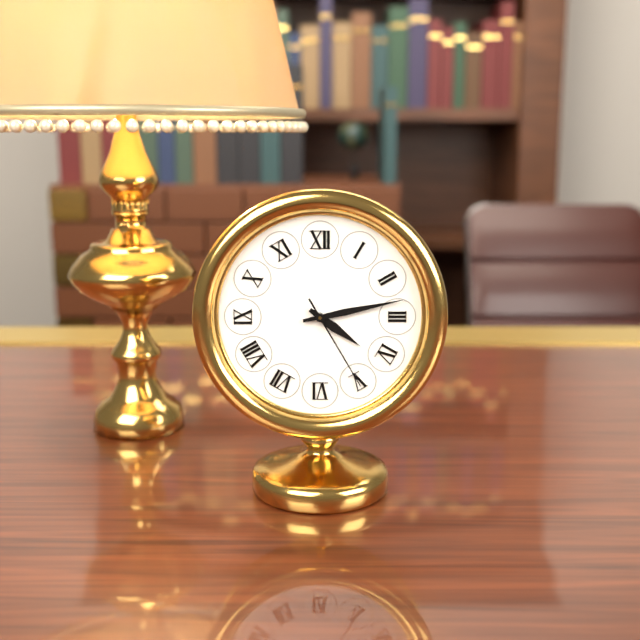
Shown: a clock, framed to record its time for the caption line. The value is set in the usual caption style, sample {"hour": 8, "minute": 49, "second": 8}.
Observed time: {"hour": 4, "minute": 13, "second": 25}
